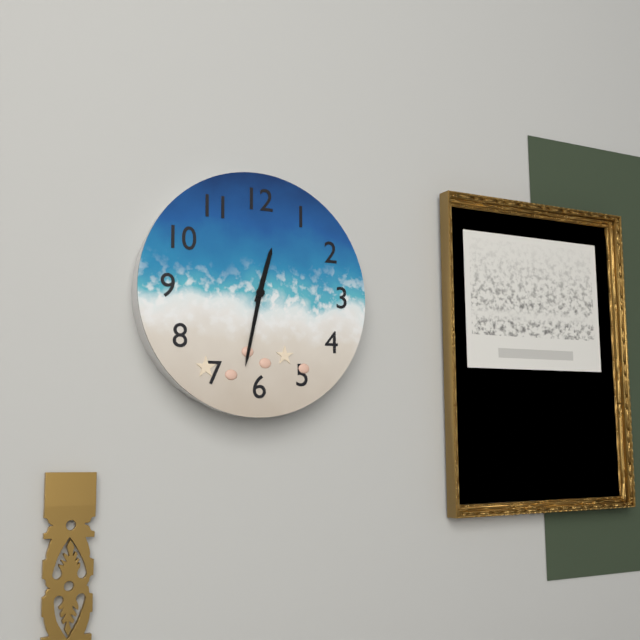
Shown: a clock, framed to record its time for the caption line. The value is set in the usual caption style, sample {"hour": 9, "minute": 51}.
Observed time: {"hour": 12, "minute": 32}
